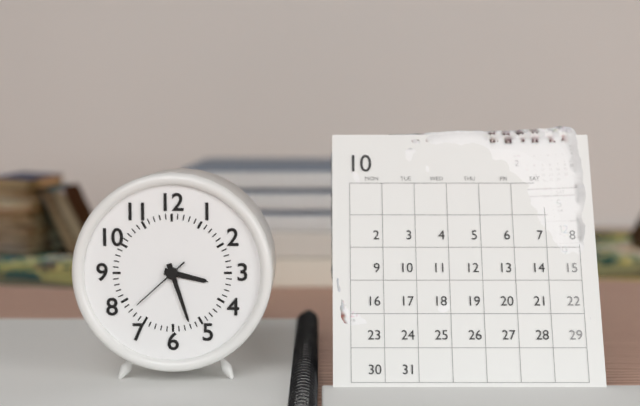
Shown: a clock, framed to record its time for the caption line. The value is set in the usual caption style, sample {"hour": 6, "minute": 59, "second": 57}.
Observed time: {"hour": 3, "minute": 27, "second": 38}
